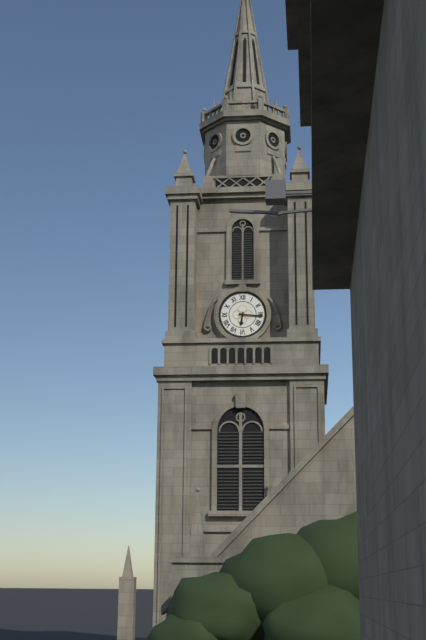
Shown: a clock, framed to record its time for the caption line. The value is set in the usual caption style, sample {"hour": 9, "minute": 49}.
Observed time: {"hour": 6, "minute": 16}
